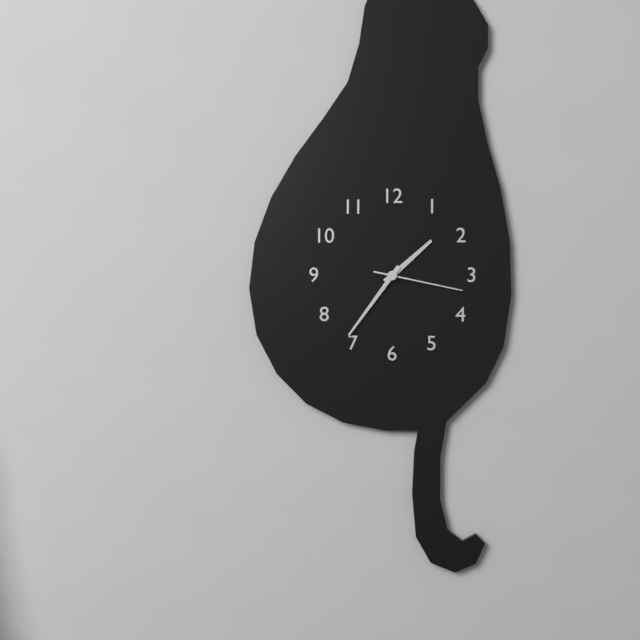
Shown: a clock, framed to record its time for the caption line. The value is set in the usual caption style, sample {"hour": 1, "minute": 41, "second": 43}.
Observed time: {"hour": 1, "minute": 36, "second": 17}
